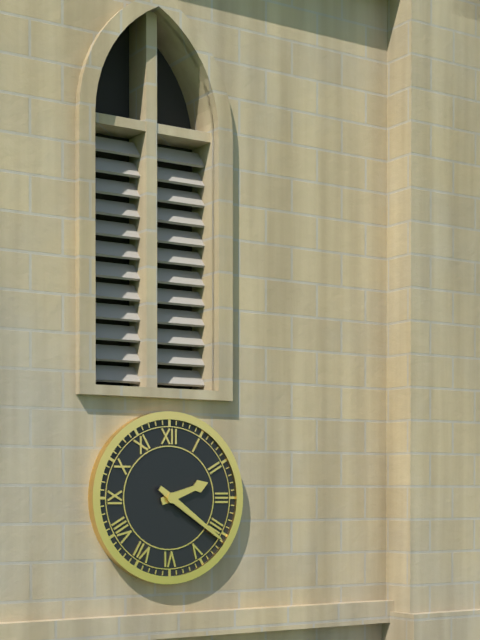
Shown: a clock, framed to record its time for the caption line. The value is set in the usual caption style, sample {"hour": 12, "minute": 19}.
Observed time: {"hour": 2, "minute": 21}
